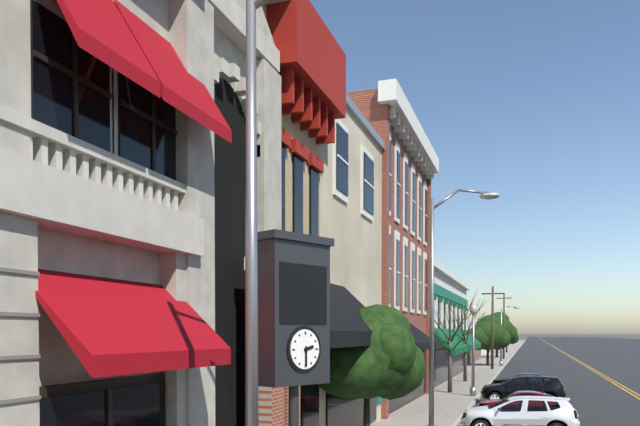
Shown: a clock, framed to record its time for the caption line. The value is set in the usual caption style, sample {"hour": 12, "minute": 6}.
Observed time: {"hour": 2, "minute": 30}
